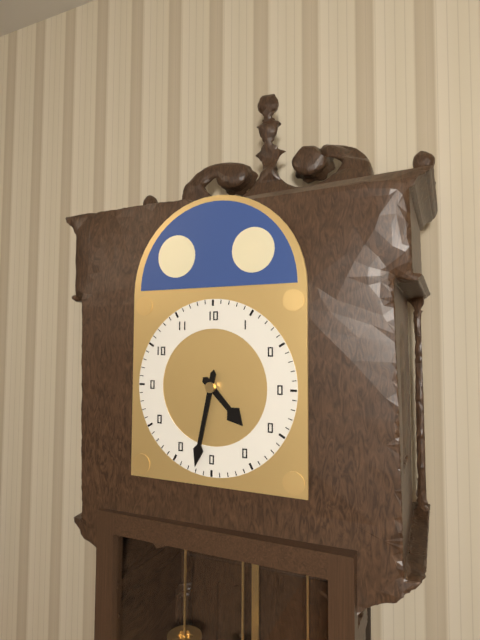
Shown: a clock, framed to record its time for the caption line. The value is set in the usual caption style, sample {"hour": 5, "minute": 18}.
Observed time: {"hour": 4, "minute": 32}
